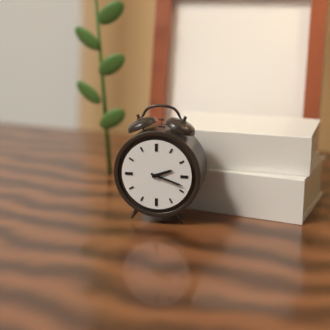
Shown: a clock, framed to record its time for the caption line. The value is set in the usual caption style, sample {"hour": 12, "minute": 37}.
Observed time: {"hour": 2, "minute": 18}
